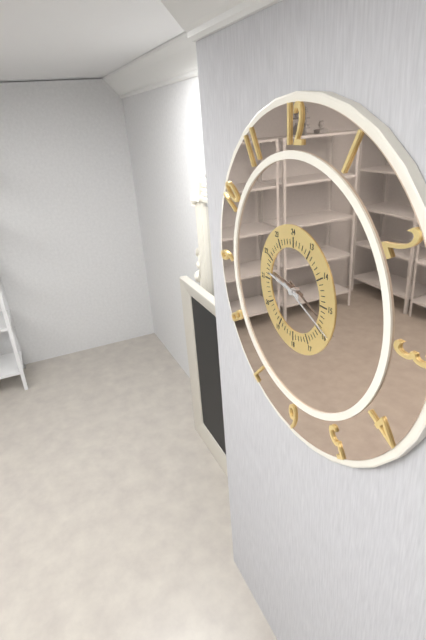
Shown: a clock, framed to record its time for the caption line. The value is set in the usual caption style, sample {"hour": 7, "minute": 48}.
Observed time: {"hour": 9, "minute": 19}
